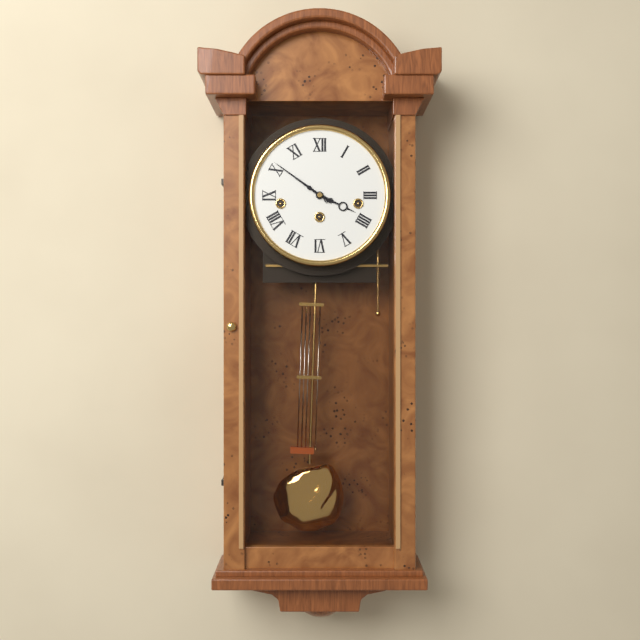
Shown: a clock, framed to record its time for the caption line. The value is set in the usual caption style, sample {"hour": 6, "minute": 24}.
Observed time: {"hour": 3, "minute": 51}
